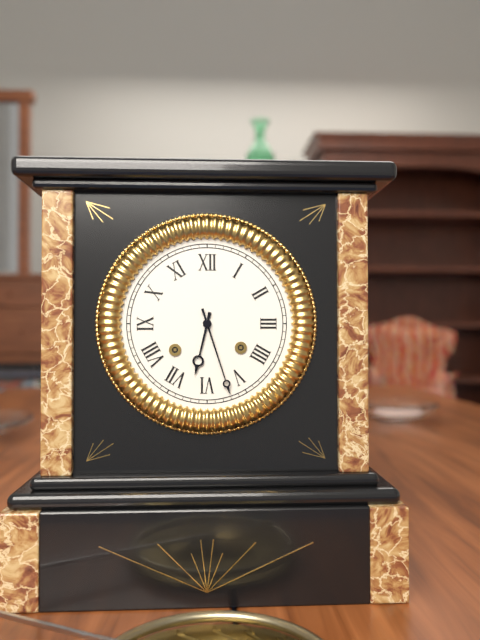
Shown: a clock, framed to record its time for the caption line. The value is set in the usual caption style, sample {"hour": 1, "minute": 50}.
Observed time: {"hour": 6, "minute": 27}
